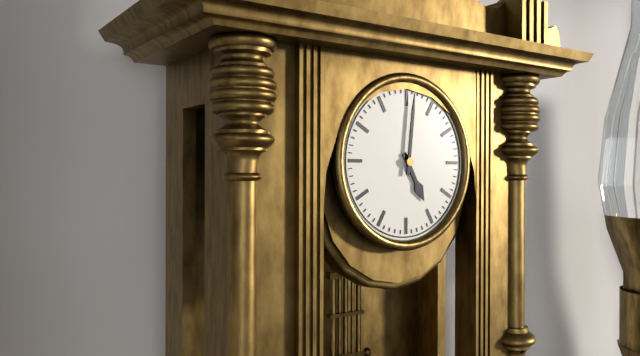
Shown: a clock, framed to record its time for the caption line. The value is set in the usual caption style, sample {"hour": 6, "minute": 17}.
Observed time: {"hour": 5, "minute": 1}
